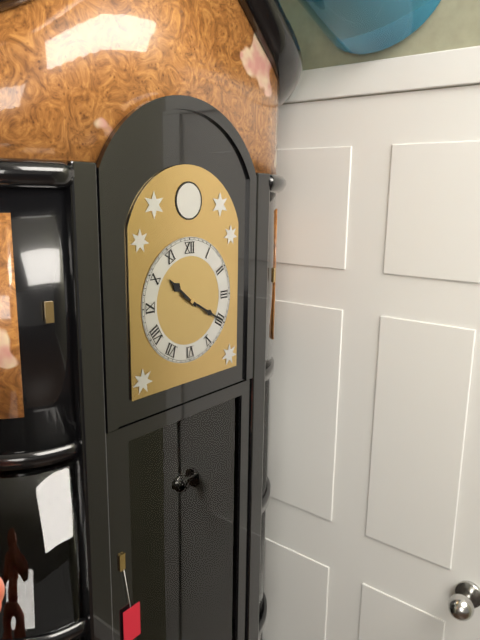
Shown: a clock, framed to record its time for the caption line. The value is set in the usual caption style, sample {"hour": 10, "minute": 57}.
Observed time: {"hour": 10, "minute": 20}
